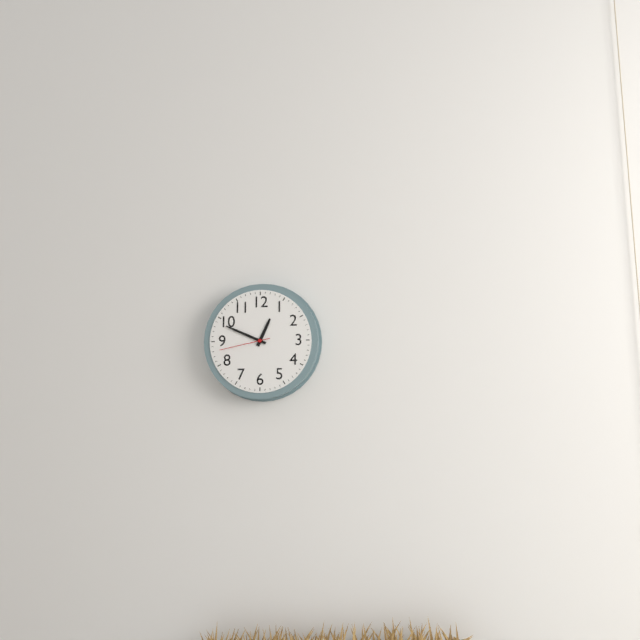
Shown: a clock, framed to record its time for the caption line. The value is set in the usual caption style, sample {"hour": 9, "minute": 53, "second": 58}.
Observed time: {"hour": 12, "minute": 49, "second": 43}
